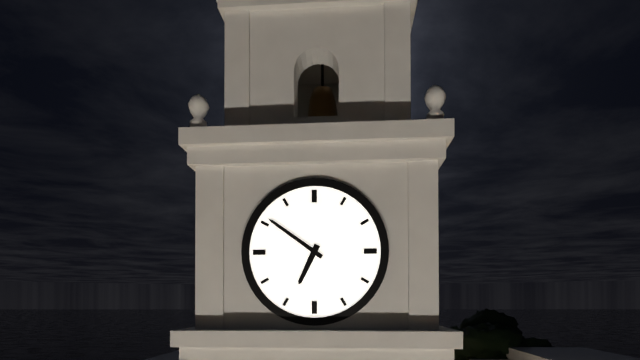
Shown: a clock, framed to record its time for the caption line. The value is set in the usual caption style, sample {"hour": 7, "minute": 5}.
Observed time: {"hour": 6, "minute": 51}
